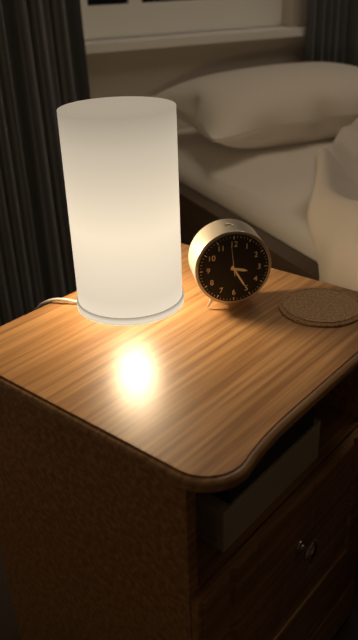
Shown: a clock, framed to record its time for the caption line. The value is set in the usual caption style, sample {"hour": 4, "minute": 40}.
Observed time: {"hour": 3, "minute": 25}
